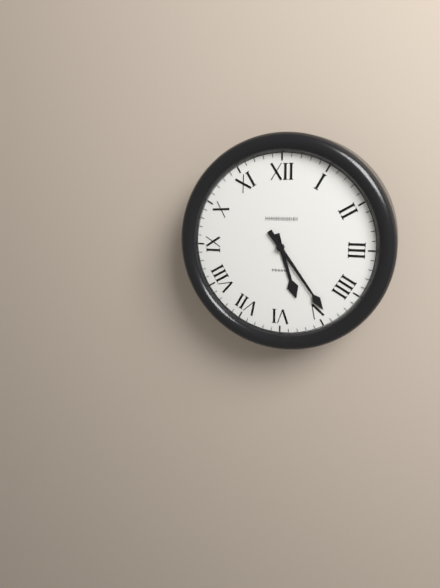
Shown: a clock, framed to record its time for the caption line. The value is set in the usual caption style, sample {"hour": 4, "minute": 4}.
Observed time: {"hour": 5, "minute": 24}
